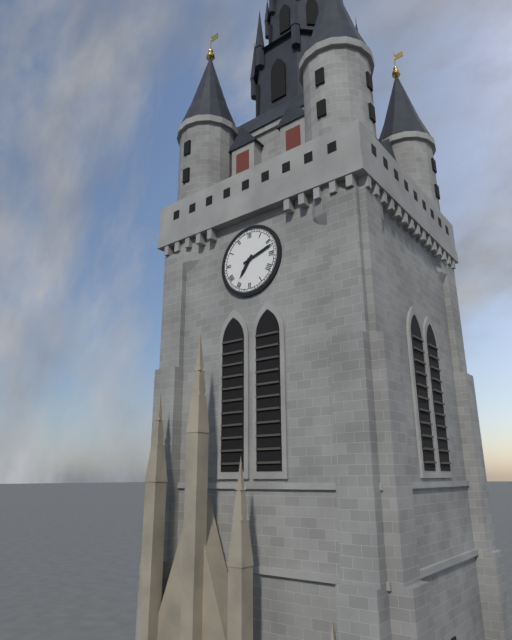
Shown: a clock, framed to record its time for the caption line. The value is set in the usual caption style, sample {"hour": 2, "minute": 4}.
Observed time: {"hour": 7, "minute": 12}
